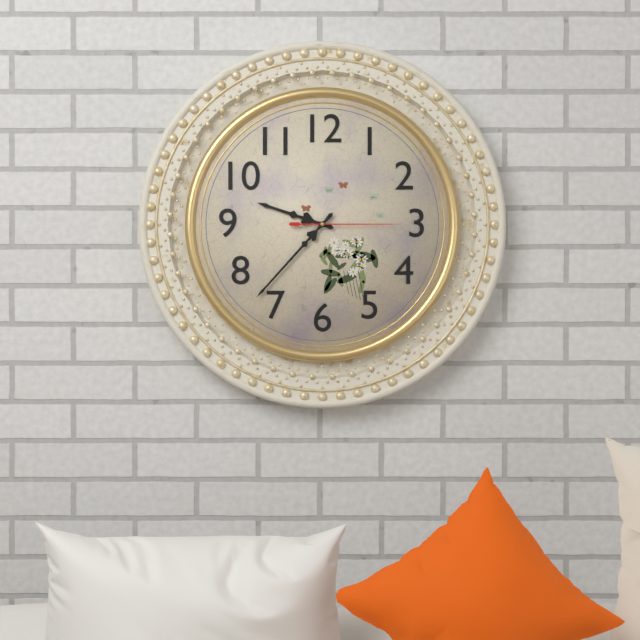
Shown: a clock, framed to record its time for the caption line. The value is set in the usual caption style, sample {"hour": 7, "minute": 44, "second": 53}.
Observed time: {"hour": 9, "minute": 37, "second": 15}
